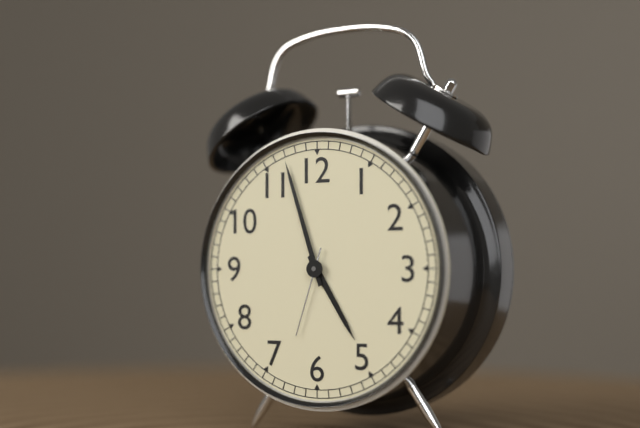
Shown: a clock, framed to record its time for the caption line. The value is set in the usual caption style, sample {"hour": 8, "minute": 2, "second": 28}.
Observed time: {"hour": 4, "minute": 57, "second": 33}
